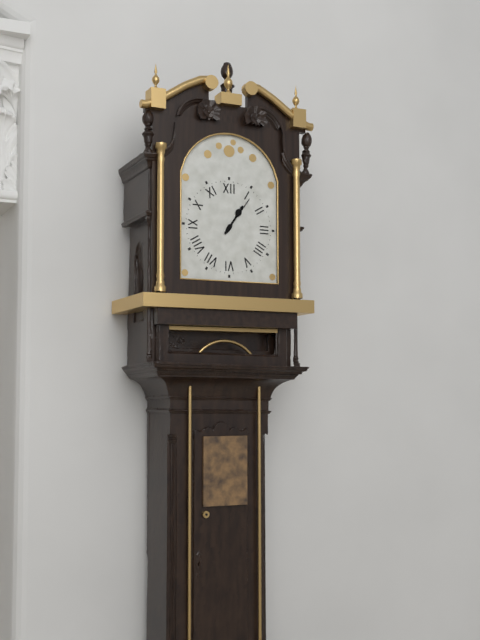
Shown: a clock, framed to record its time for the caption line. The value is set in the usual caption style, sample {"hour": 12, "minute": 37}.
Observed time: {"hour": 1, "minute": 6}
